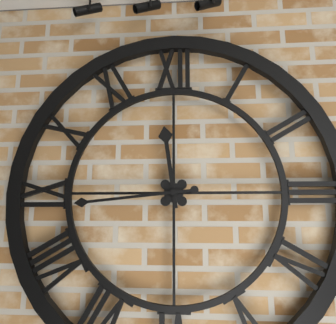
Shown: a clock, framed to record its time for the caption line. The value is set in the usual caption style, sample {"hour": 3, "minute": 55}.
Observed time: {"hour": 11, "minute": 44}
